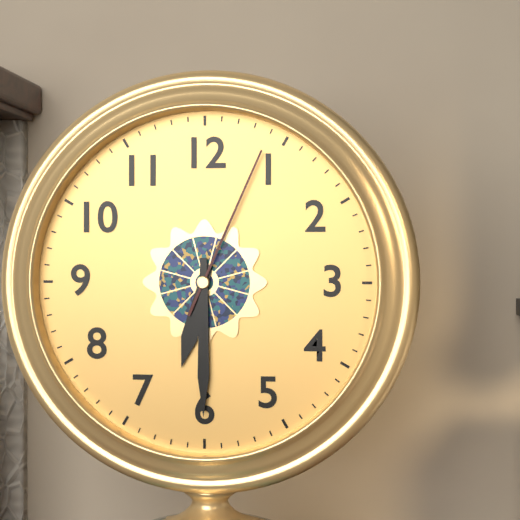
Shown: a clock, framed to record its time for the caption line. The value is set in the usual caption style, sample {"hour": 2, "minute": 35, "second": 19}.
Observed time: {"hour": 6, "minute": 30, "second": 4}
